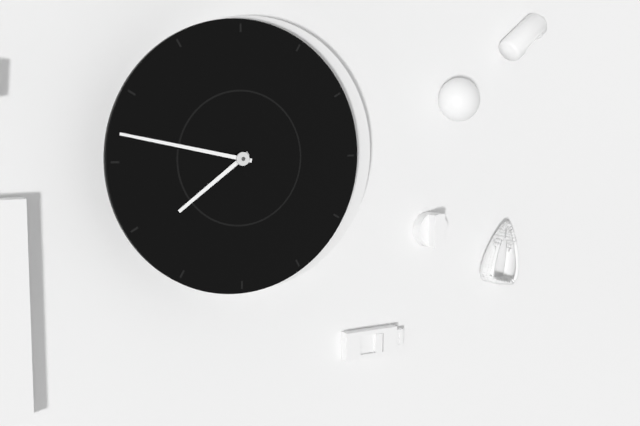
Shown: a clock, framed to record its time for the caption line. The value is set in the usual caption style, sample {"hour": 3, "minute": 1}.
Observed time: {"hour": 7, "minute": 47}
